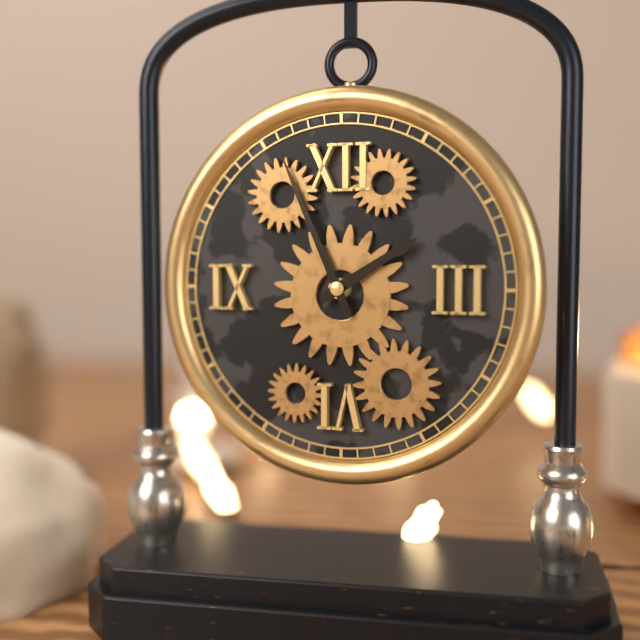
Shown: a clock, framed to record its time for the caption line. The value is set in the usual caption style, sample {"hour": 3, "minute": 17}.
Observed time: {"hour": 1, "minute": 56}
